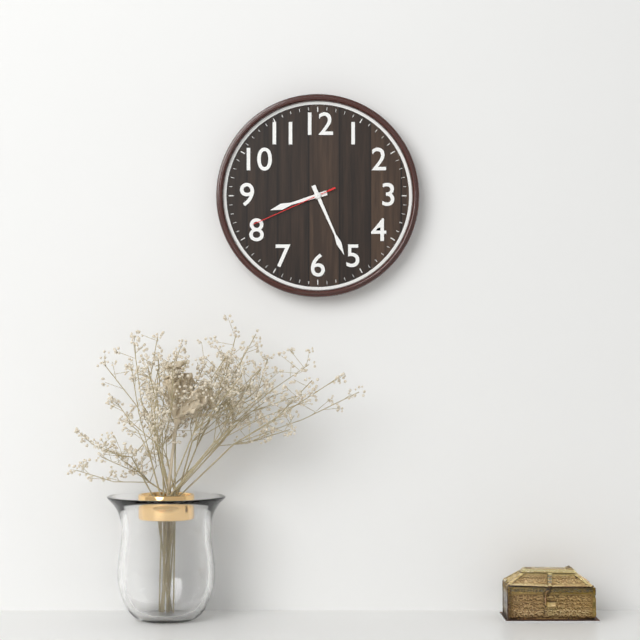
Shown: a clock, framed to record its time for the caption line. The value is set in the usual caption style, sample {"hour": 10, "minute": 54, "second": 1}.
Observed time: {"hour": 8, "minute": 26, "second": 41}
